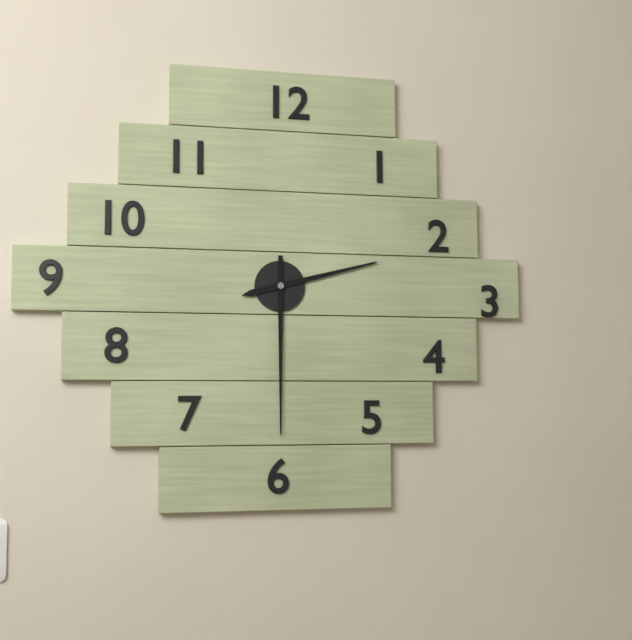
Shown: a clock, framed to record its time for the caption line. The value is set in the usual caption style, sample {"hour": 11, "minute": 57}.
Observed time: {"hour": 2, "minute": 30}
